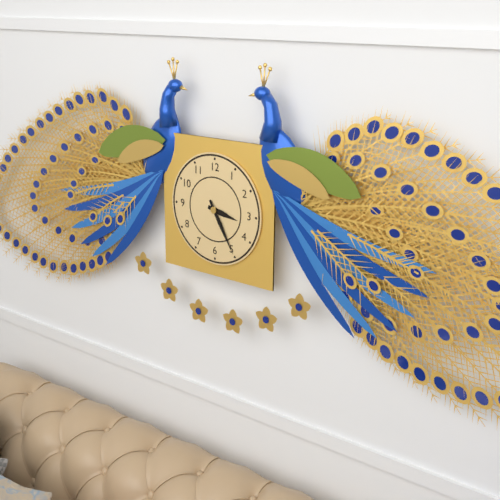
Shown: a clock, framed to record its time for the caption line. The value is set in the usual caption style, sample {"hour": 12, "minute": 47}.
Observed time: {"hour": 3, "minute": 25}
